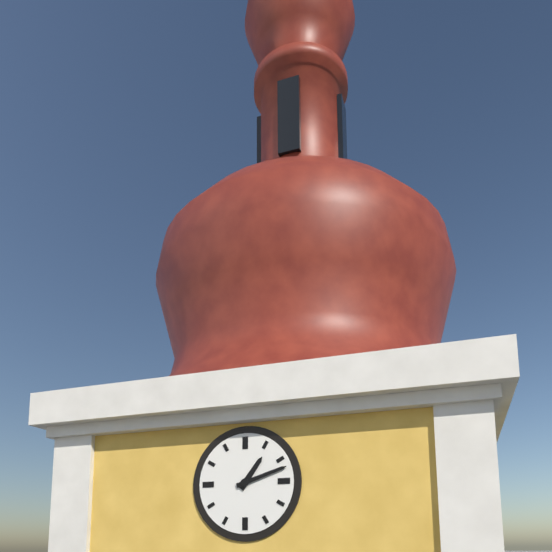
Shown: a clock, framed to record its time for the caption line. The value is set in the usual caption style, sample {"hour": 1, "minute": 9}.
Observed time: {"hour": 1, "minute": 12}
